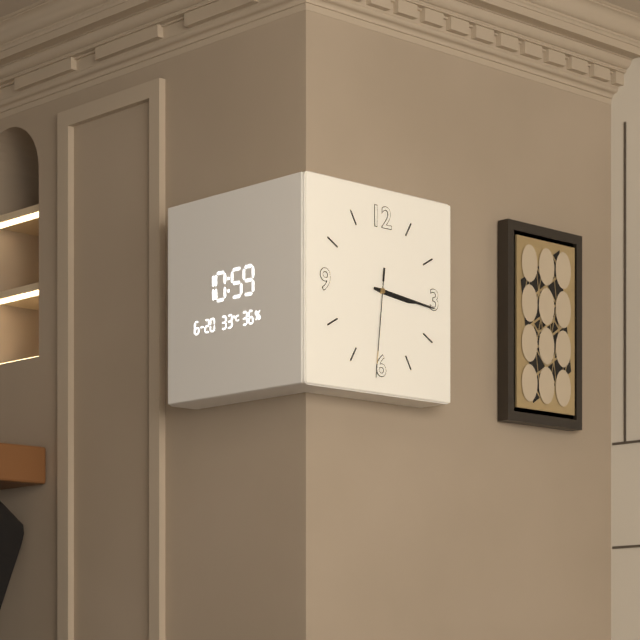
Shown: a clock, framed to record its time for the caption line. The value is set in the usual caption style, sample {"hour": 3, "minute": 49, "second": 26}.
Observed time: {"hour": 3, "minute": 16, "second": 31}
